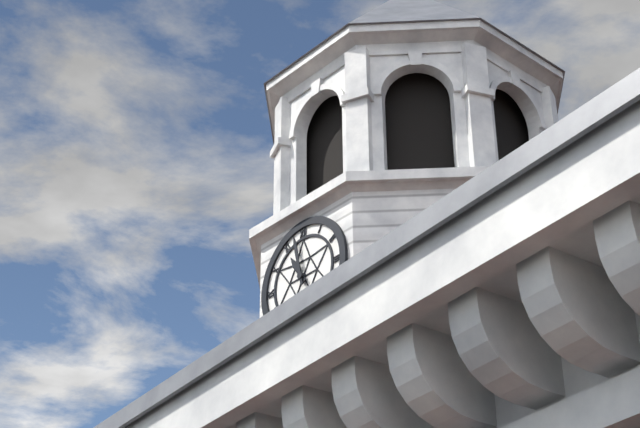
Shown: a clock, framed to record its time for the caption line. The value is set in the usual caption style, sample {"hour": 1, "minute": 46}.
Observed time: {"hour": 10, "minute": 58}
